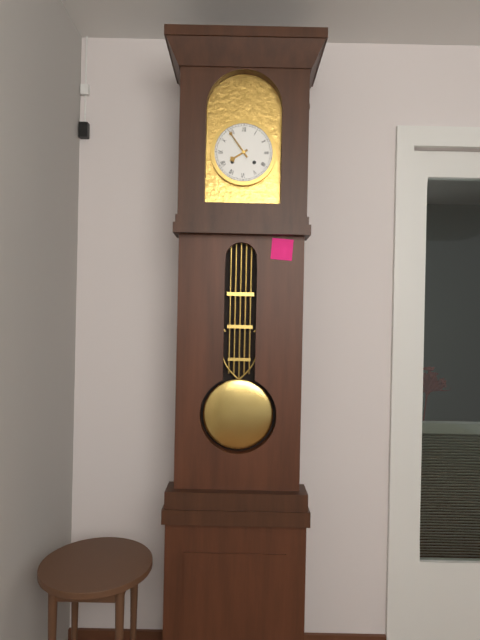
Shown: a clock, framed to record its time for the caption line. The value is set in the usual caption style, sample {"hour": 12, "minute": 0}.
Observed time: {"hour": 7, "minute": 54}
